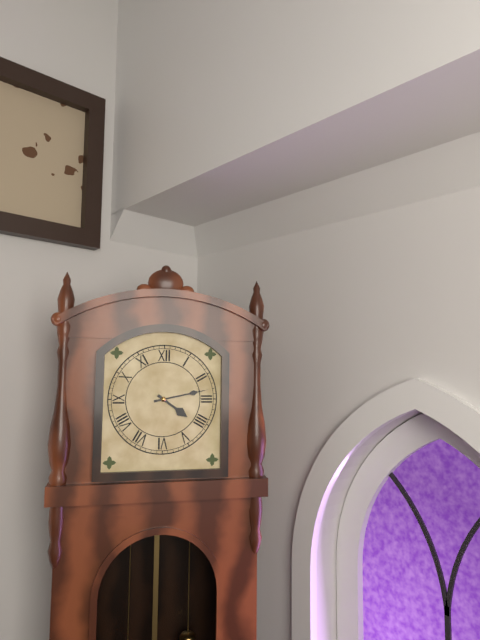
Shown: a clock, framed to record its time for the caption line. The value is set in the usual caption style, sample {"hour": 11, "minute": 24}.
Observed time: {"hour": 4, "minute": 13}
